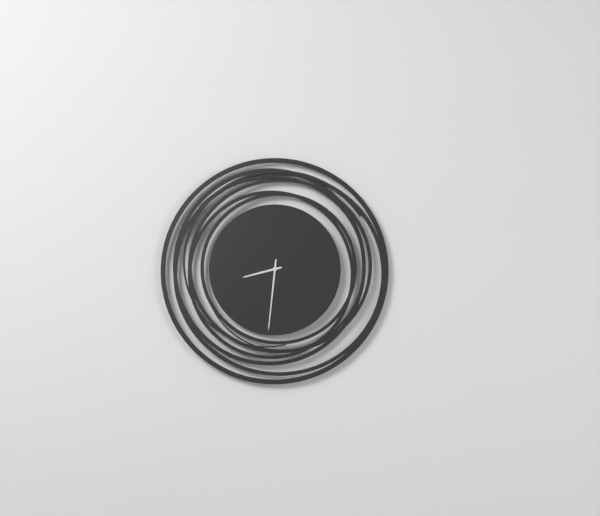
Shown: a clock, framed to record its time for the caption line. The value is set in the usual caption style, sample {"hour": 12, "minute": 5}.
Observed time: {"hour": 8, "minute": 31}
